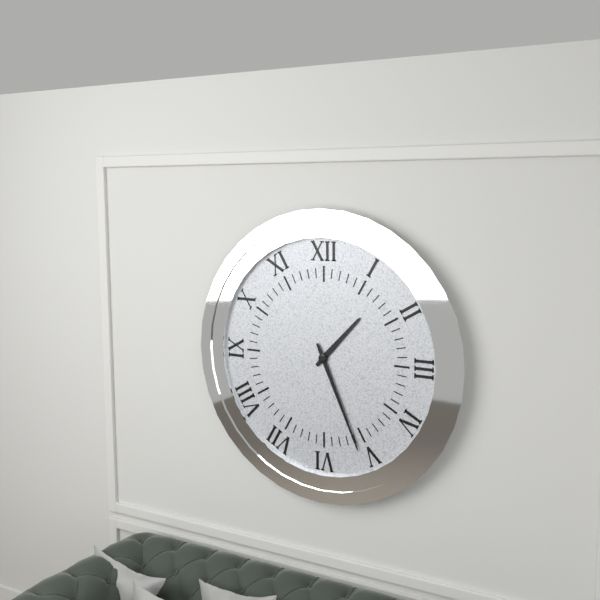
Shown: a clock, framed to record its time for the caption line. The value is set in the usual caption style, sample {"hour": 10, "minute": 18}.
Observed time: {"hour": 1, "minute": 26}
